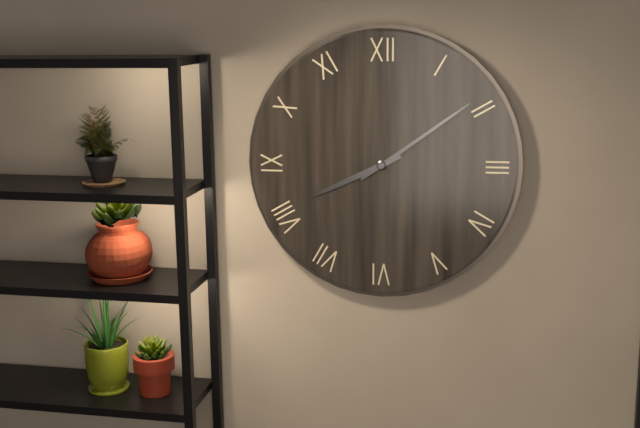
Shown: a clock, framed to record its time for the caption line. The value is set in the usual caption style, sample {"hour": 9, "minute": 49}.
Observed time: {"hour": 8, "minute": 9}
